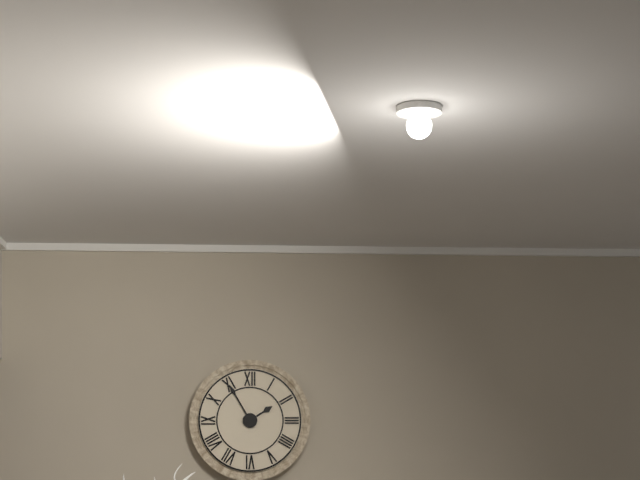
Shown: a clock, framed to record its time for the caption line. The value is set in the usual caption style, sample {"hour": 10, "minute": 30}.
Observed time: {"hour": 1, "minute": 55}
